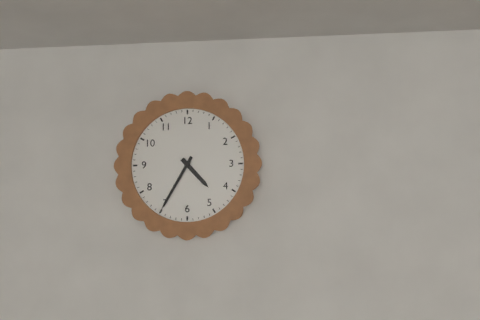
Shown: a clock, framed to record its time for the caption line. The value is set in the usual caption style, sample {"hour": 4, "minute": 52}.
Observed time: {"hour": 4, "minute": 35}
